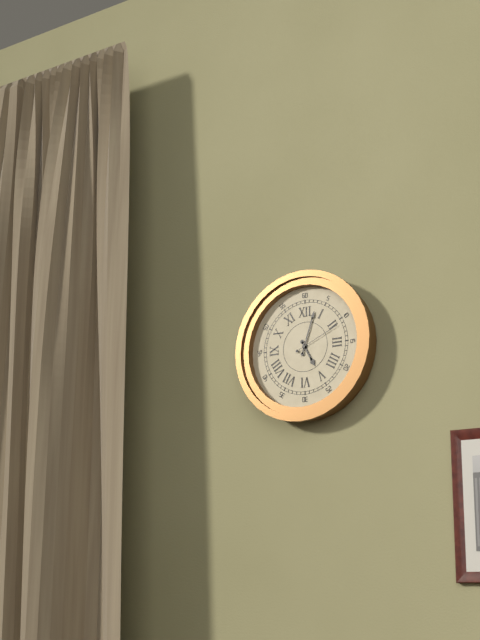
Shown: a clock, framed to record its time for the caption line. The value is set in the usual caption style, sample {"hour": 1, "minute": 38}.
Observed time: {"hour": 5, "minute": 3}
